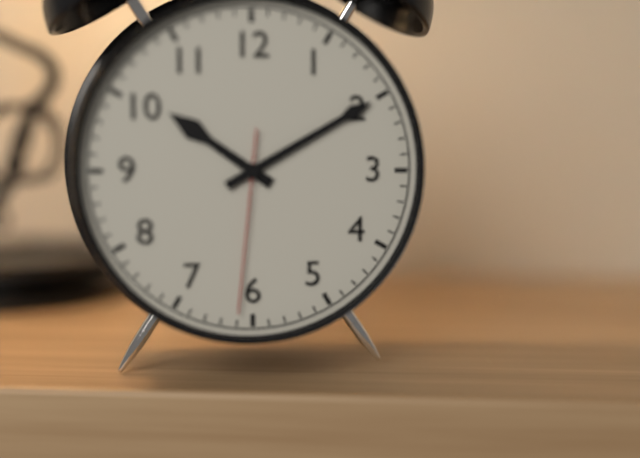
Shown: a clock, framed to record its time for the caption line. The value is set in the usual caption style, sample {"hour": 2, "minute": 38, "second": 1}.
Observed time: {"hour": 10, "minute": 10, "second": 31}
